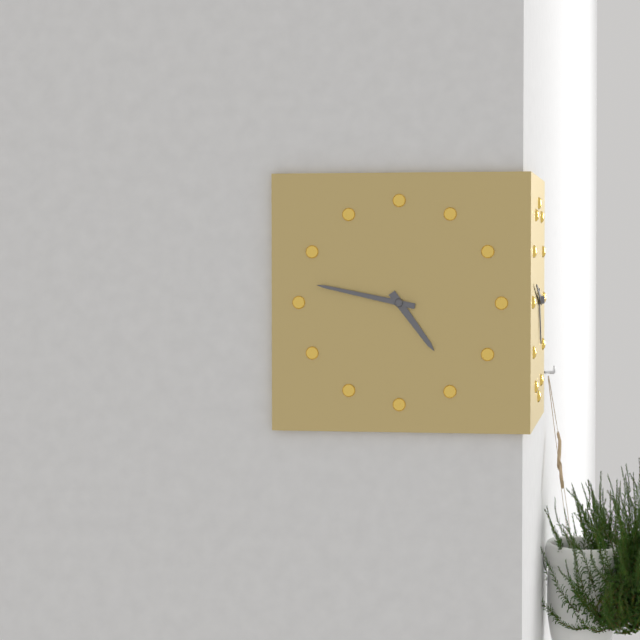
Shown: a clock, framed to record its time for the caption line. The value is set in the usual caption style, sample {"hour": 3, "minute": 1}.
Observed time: {"hour": 4, "minute": 47}
